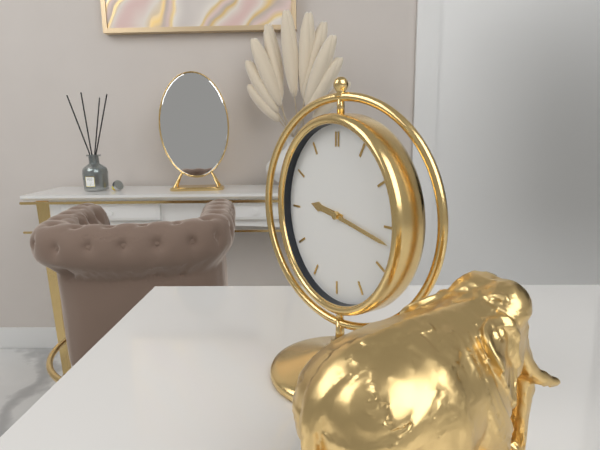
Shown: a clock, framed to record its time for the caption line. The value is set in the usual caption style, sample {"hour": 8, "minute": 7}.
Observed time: {"hour": 9, "minute": 17}
